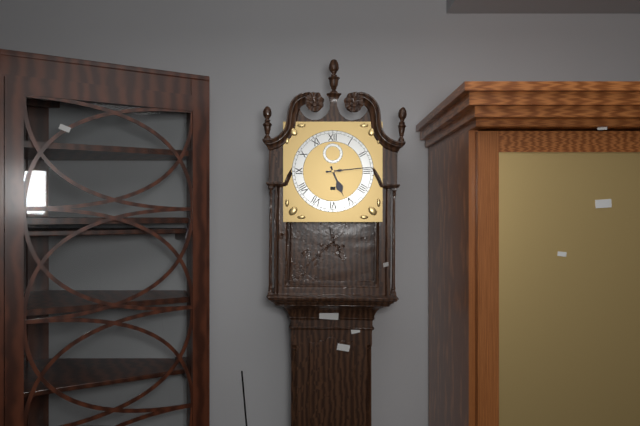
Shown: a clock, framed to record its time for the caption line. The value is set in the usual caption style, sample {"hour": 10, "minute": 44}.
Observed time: {"hour": 5, "minute": 14}
